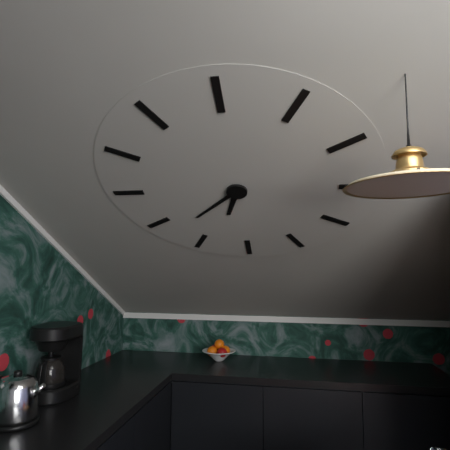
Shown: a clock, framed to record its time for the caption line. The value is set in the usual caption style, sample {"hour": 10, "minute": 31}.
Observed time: {"hour": 6, "minute": 38}
